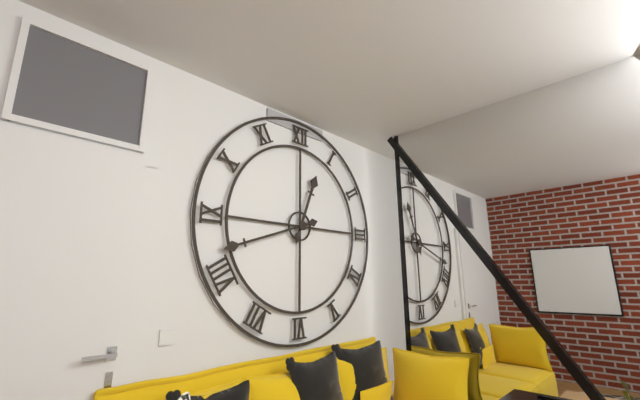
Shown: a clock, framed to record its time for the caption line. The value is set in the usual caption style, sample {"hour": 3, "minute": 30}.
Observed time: {"hour": 12, "minute": 42}
